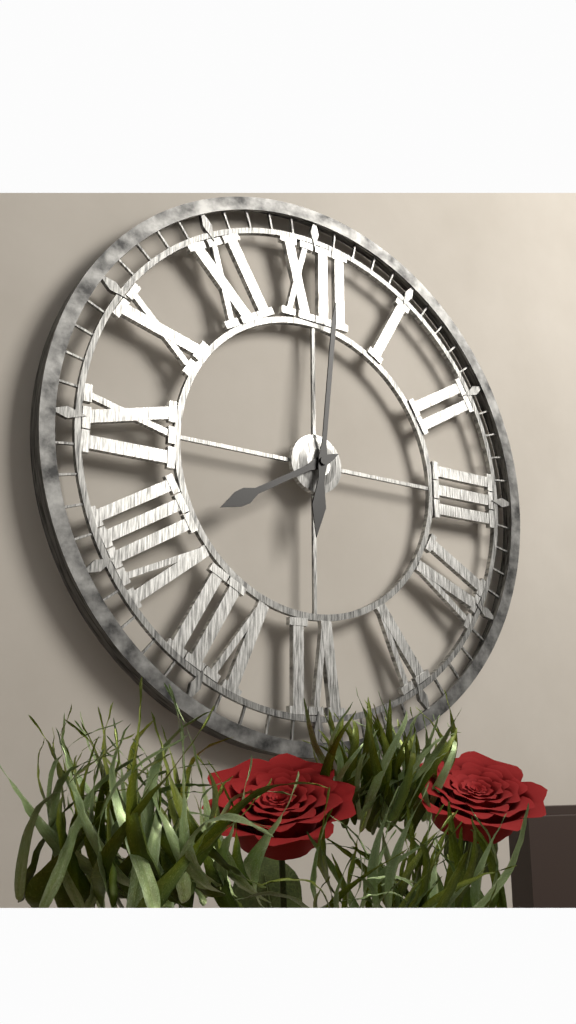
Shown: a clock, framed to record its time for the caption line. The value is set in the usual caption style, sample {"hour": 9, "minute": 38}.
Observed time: {"hour": 8, "minute": 1}
